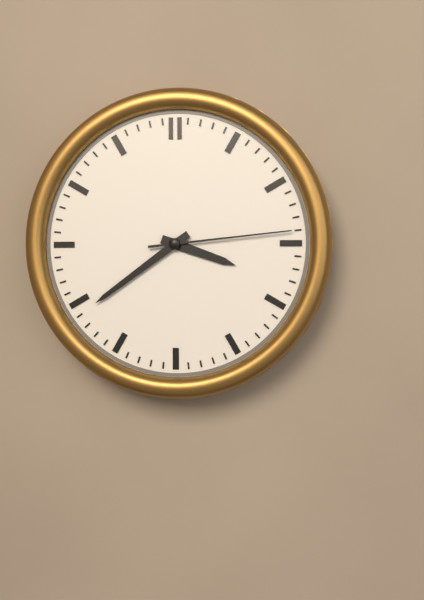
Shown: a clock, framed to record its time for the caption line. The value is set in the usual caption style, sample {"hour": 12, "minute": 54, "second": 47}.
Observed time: {"hour": 3, "minute": 39, "second": 14}
